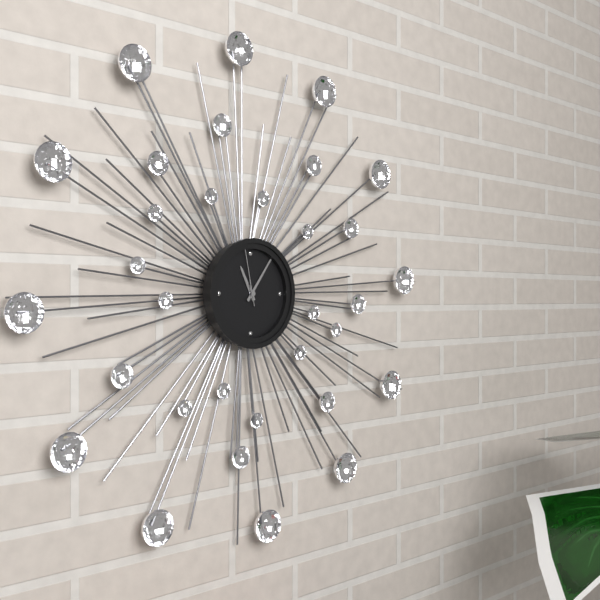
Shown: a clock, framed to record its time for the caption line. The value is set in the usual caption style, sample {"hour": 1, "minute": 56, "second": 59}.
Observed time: {"hour": 11, "minute": 6, "second": 58}
